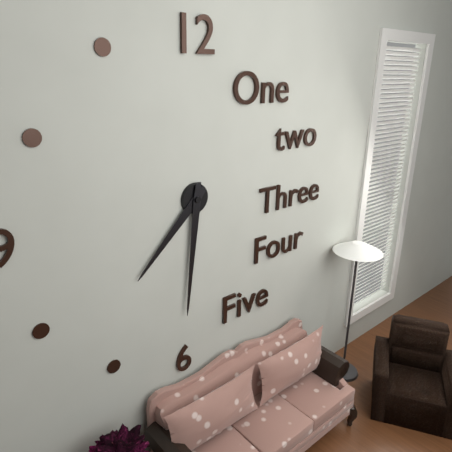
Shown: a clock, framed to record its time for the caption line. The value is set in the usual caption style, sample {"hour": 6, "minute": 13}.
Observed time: {"hour": 7, "minute": 31}
